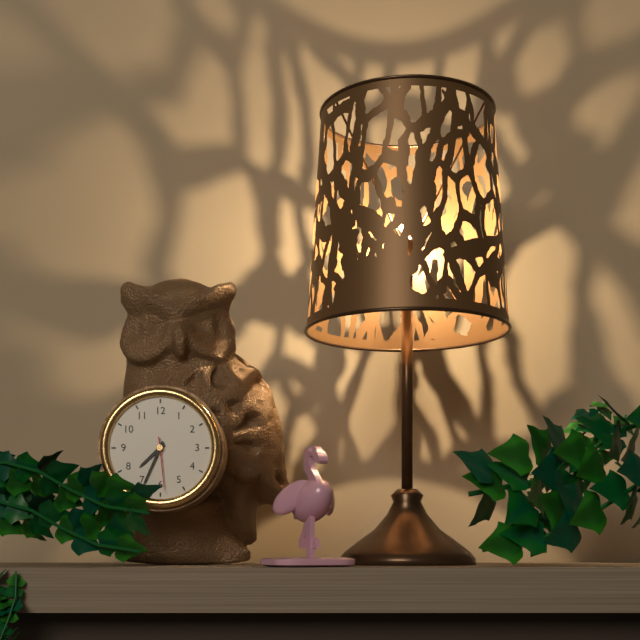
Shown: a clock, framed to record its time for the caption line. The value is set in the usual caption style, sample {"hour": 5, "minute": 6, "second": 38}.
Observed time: {"hour": 7, "minute": 34, "second": 29}
